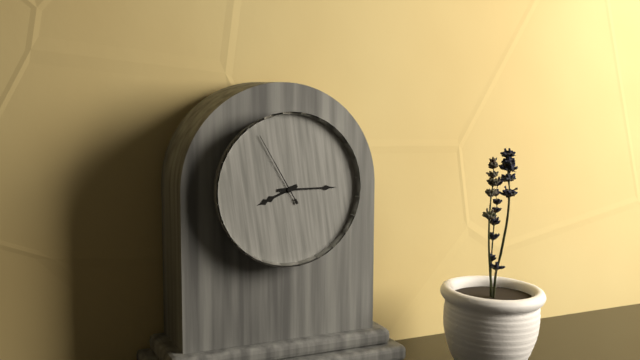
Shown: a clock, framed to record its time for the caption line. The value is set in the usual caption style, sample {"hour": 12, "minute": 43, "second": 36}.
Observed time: {"hour": 8, "minute": 15, "second": 55}
